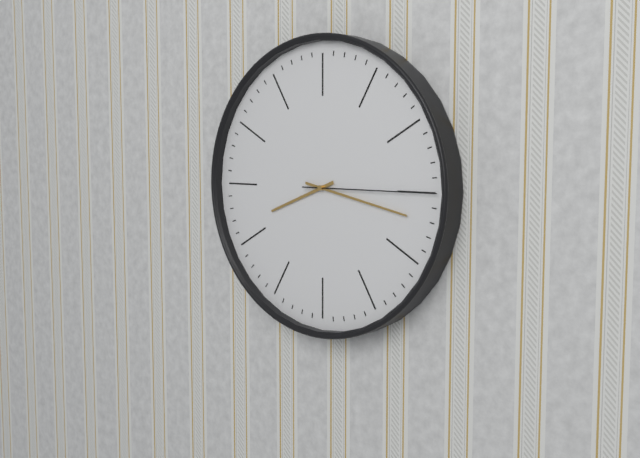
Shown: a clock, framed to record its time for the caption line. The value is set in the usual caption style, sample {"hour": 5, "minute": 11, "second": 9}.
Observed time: {"hour": 8, "minute": 17, "second": 15}
